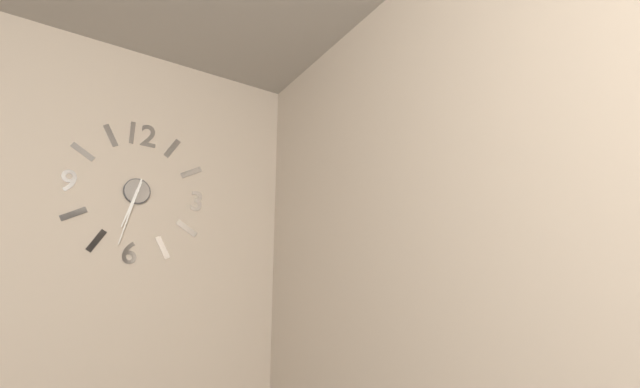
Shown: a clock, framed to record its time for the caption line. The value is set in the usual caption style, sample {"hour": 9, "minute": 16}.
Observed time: {"hour": 6, "minute": 32}
